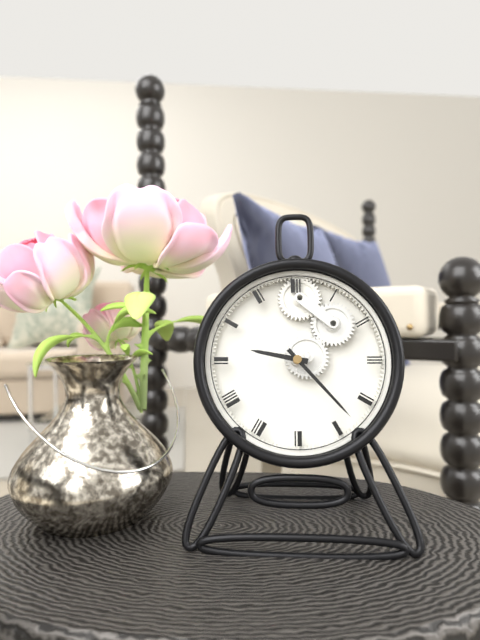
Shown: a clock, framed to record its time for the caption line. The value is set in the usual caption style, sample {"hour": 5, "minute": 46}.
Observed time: {"hour": 9, "minute": 23}
